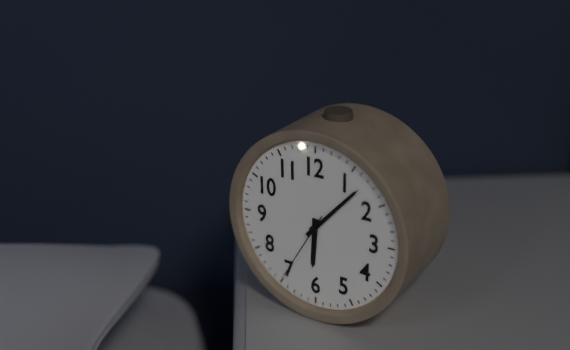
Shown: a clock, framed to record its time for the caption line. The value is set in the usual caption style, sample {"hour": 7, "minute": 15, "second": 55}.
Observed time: {"hour": 6, "minute": 7, "second": 35}
